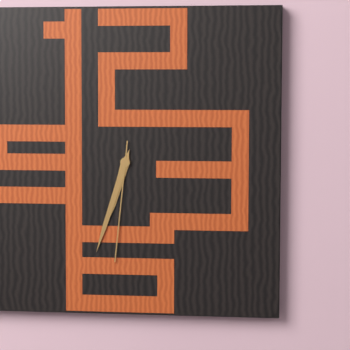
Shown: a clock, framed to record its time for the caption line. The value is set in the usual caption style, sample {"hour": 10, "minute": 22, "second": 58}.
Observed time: {"hour": 6, "minute": 33, "second": 31}
